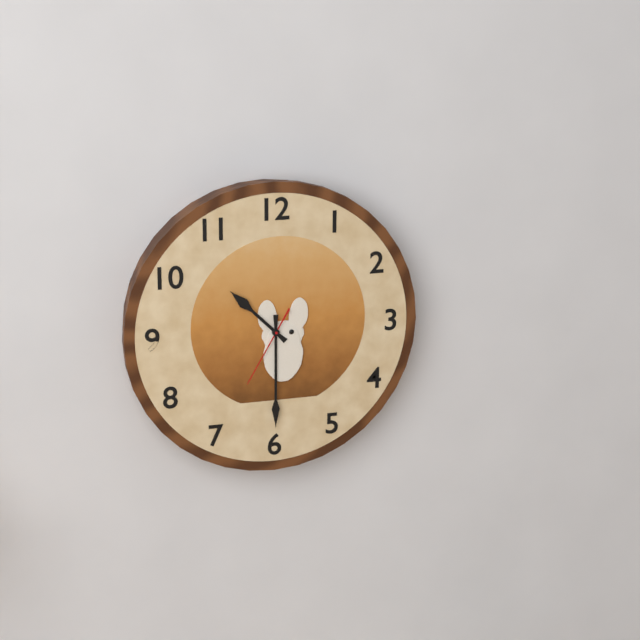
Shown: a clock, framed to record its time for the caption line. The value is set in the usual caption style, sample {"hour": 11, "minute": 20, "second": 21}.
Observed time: {"hour": 10, "minute": 30, "second": 35}
